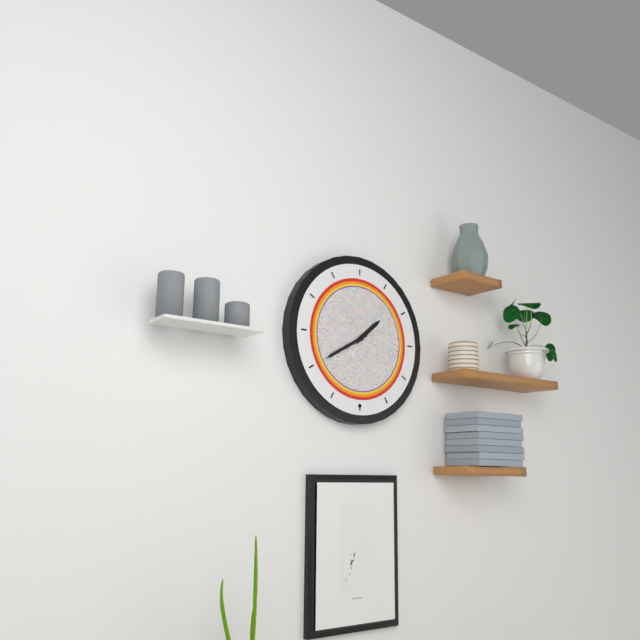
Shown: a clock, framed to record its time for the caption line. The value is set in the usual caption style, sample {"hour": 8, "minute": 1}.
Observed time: {"hour": 1, "minute": 40}
